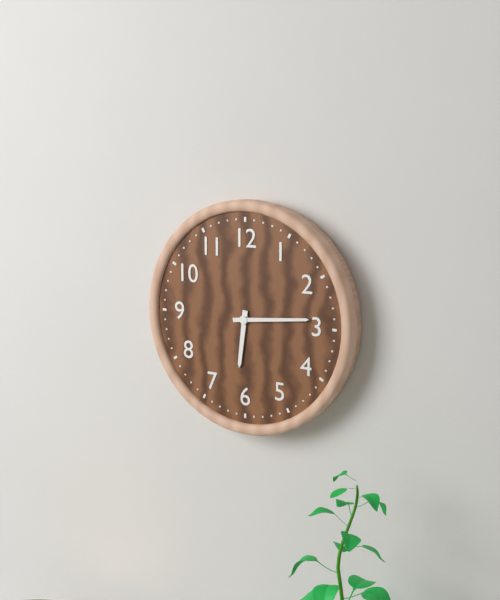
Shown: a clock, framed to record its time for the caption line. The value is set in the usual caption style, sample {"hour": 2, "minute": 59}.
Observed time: {"hour": 6, "minute": 14}
